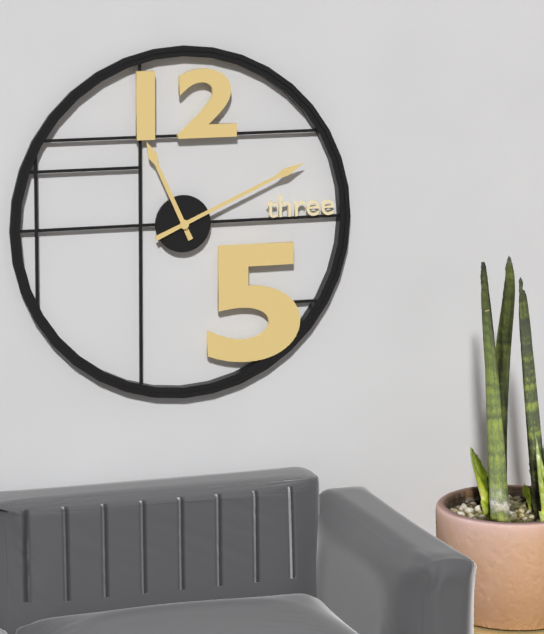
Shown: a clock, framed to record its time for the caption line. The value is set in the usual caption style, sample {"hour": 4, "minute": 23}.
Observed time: {"hour": 11, "minute": 11}
